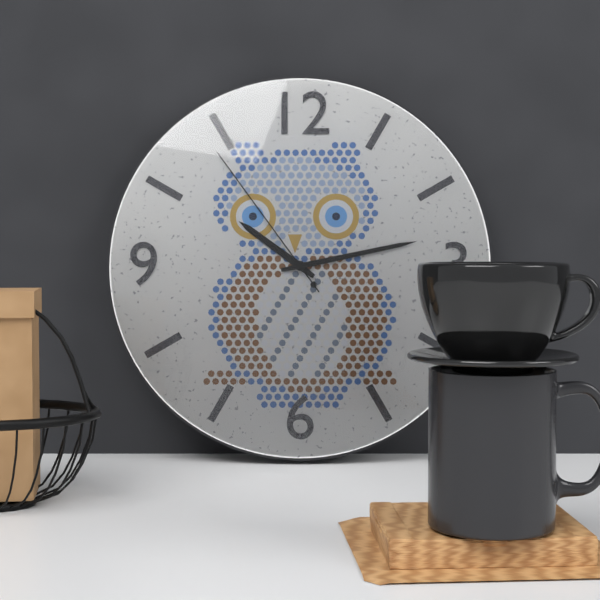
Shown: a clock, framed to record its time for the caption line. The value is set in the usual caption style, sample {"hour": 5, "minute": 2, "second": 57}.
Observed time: {"hour": 10, "minute": 13, "second": 54}
